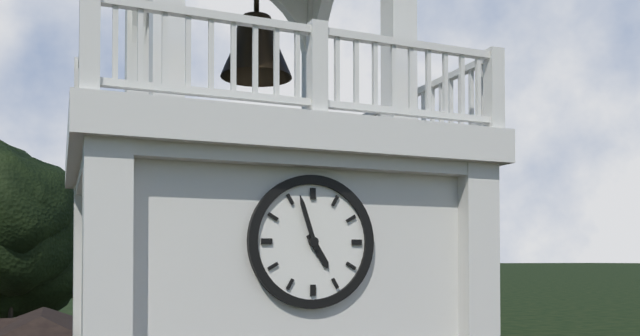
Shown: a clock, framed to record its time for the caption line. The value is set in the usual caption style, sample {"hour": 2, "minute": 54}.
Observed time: {"hour": 4, "minute": 57}
